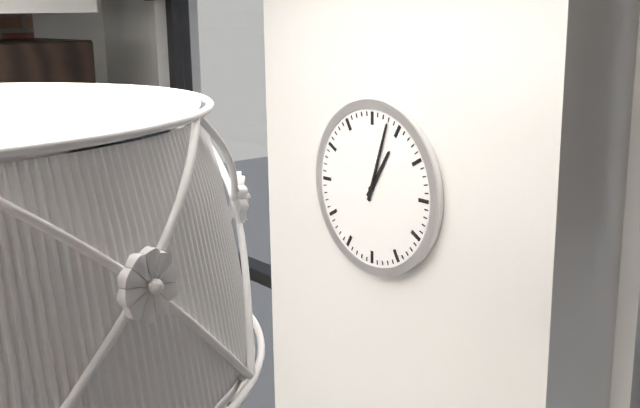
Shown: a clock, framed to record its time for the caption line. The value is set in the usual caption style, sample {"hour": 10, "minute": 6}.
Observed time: {"hour": 1, "minute": 3}
